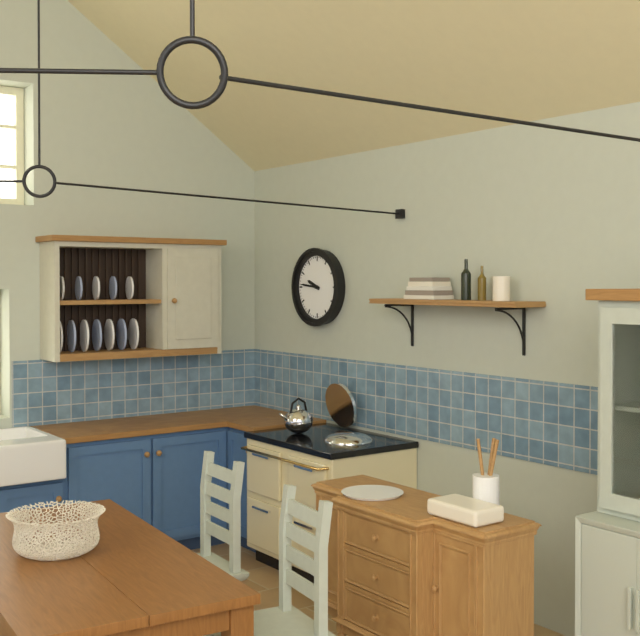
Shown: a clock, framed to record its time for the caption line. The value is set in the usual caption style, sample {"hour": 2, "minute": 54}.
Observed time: {"hour": 9, "minute": 46}
